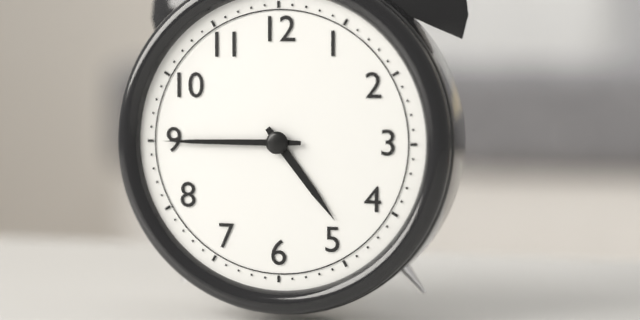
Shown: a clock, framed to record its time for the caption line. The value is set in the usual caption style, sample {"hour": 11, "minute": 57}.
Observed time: {"hour": 4, "minute": 45}
